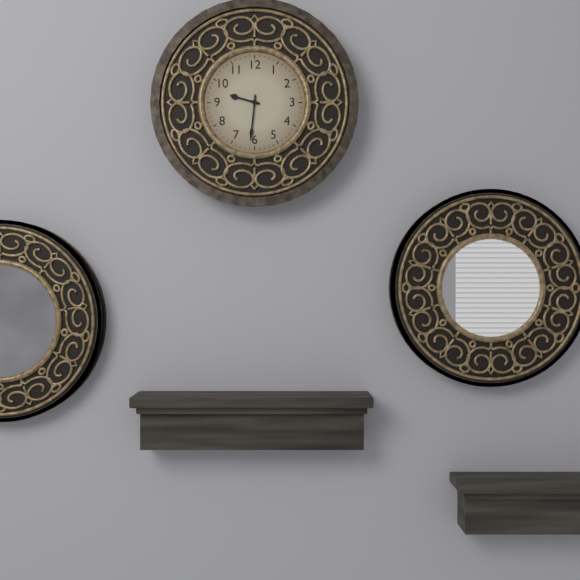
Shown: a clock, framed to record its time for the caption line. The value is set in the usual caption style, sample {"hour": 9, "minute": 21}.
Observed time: {"hour": 9, "minute": 31}
